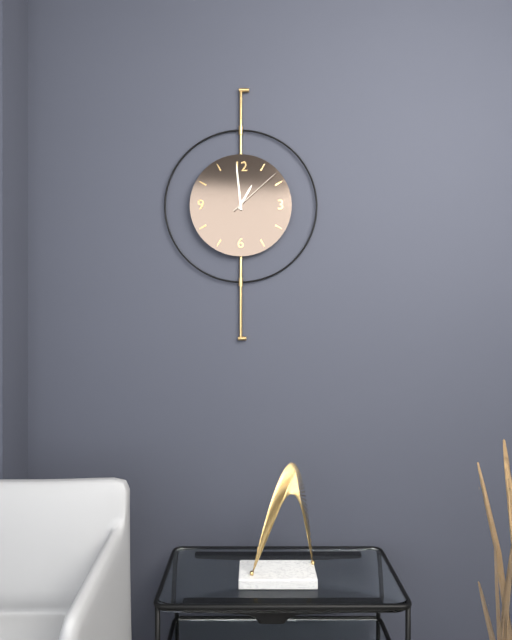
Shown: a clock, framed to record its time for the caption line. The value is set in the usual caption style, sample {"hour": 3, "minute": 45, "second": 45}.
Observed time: {"hour": 12, "minute": 59, "second": 8}
